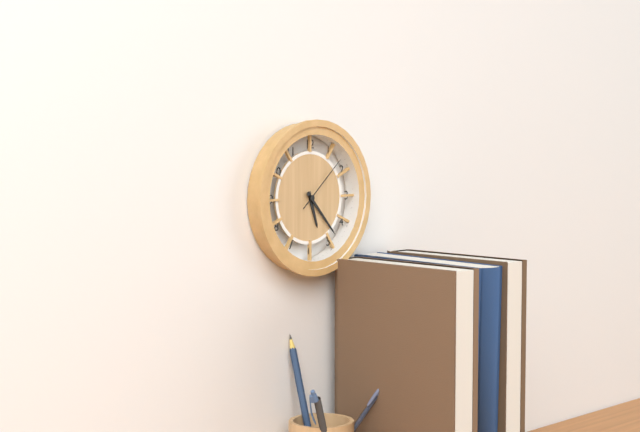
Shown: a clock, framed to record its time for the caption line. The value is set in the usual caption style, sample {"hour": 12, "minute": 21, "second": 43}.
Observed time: {"hour": 5, "minute": 23, "second": 8}
